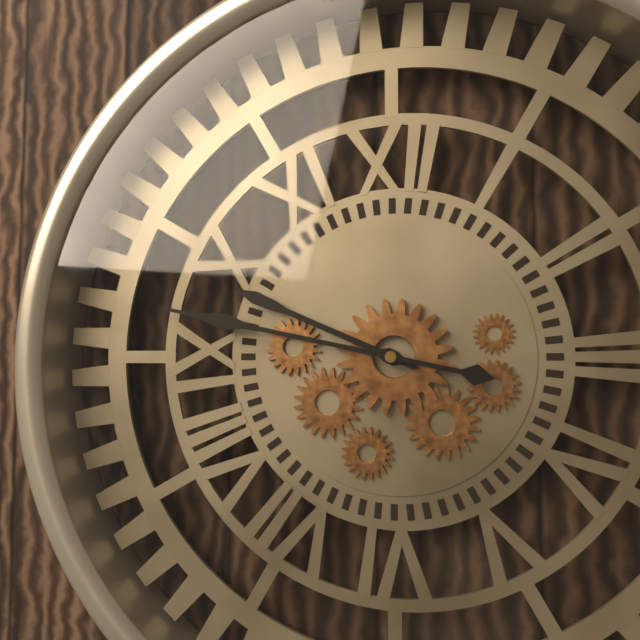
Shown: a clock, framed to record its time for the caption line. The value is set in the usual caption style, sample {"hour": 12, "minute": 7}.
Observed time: {"hour": 9, "minute": 47}
